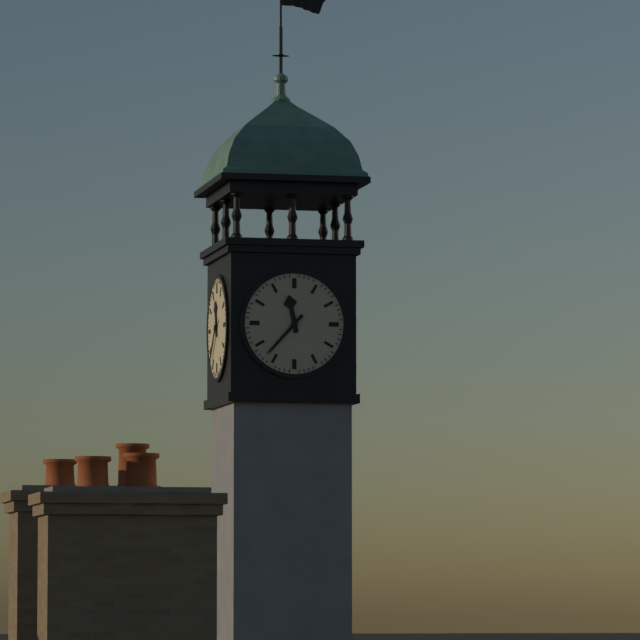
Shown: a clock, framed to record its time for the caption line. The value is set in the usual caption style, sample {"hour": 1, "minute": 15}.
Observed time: {"hour": 11, "minute": 37}
